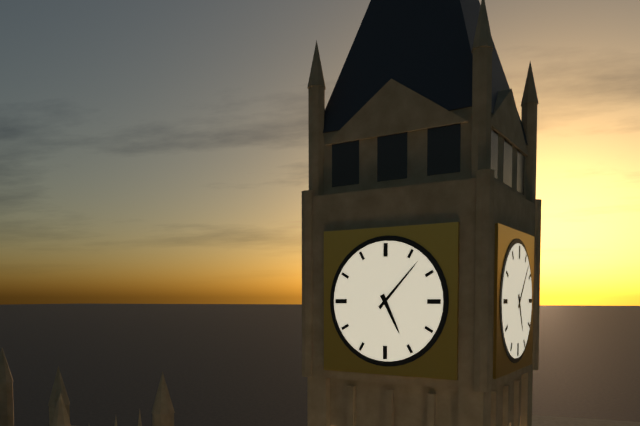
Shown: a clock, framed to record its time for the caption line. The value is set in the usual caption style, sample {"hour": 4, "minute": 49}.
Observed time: {"hour": 5, "minute": 7}
